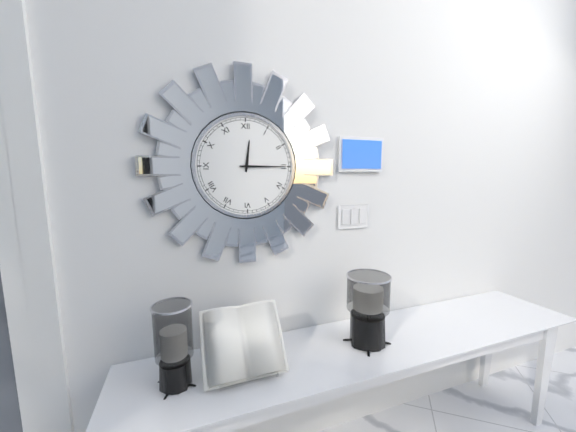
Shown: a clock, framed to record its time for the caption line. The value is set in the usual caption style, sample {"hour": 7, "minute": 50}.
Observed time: {"hour": 12, "minute": 15}
